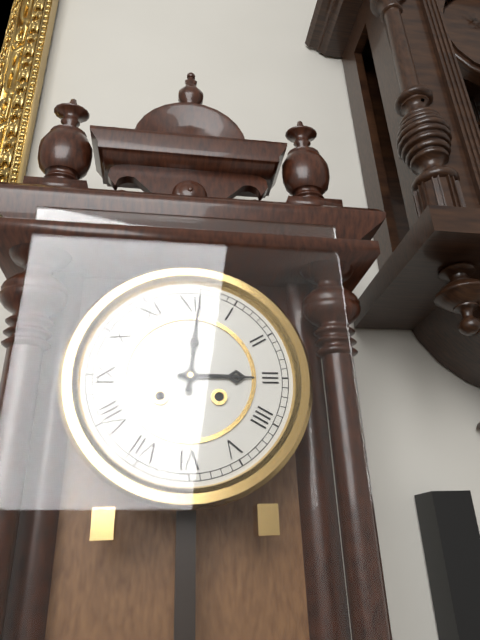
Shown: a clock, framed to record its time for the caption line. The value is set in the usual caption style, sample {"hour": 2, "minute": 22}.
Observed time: {"hour": 3, "minute": 1}
